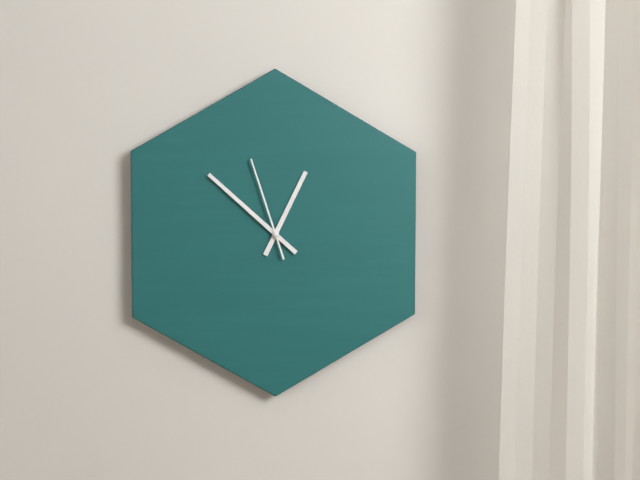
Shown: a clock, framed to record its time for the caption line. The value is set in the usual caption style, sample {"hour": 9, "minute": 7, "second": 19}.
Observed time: {"hour": 12, "minute": 52, "second": 57}
